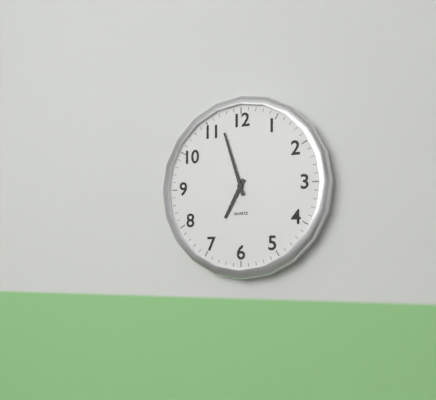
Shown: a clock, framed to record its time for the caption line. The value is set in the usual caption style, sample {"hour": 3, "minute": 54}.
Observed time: {"hour": 6, "minute": 57}
